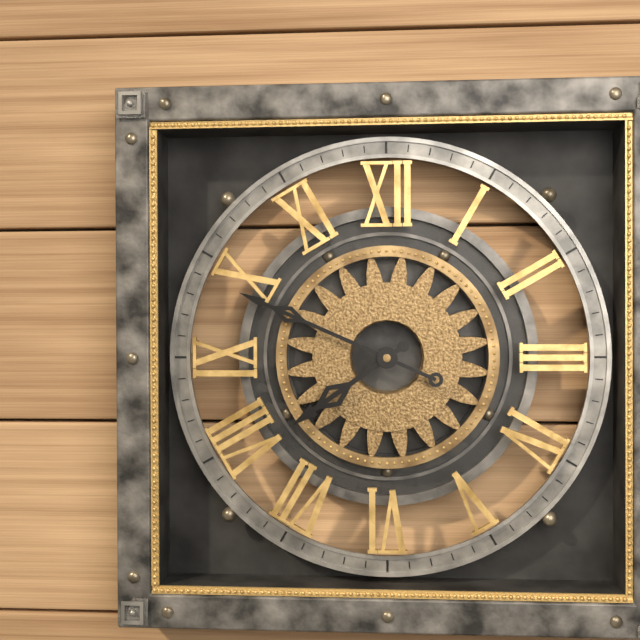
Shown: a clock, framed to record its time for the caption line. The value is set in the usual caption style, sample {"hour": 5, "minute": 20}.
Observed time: {"hour": 7, "minute": 49}
